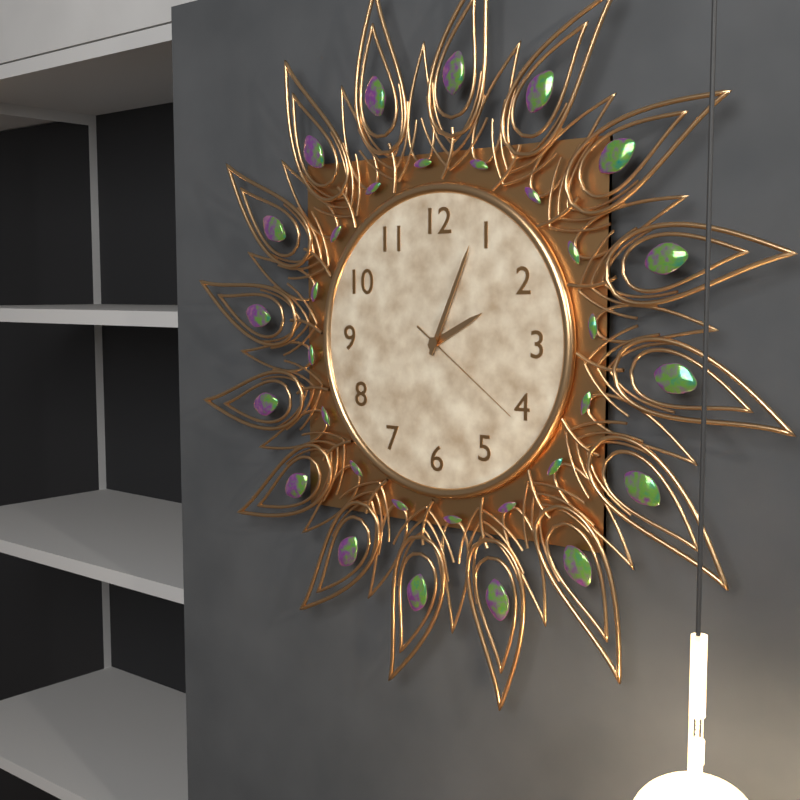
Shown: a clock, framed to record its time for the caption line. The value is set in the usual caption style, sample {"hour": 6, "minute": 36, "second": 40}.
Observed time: {"hour": 2, "minute": 4, "second": 21}
